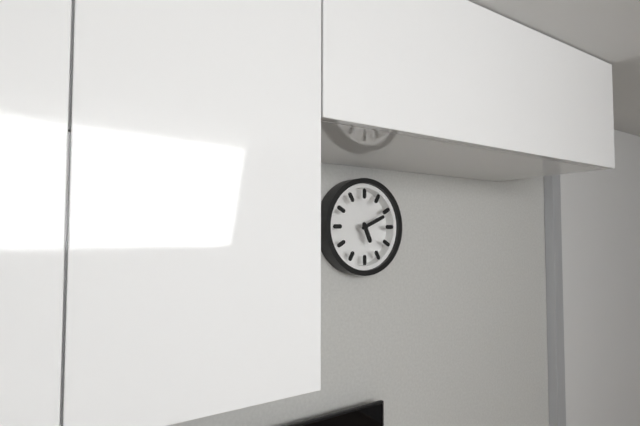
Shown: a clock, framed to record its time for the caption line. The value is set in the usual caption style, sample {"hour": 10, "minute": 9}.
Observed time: {"hour": 5, "minute": 11}
